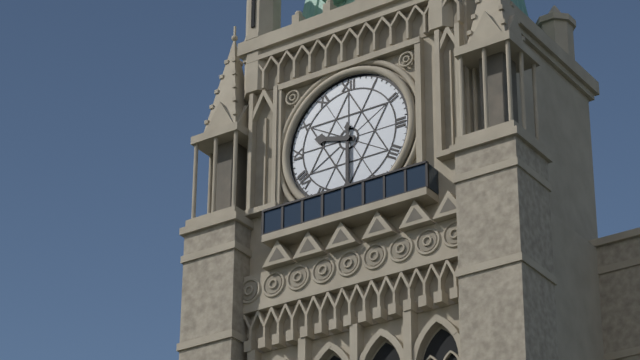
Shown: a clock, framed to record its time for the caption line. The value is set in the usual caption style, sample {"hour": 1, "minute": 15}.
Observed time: {"hour": 9, "minute": 30}
